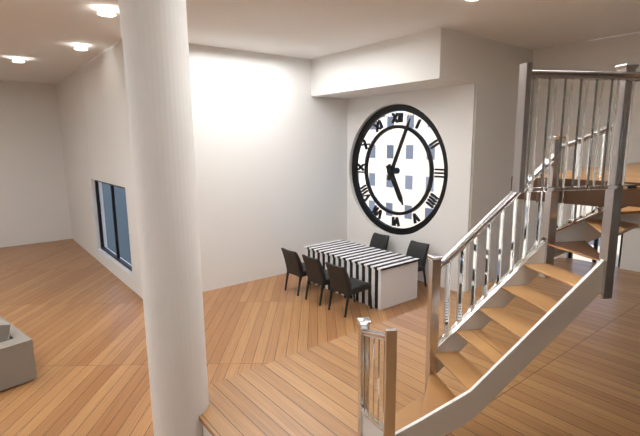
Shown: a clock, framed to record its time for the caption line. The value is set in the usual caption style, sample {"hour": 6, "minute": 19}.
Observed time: {"hour": 5, "minute": 4}
